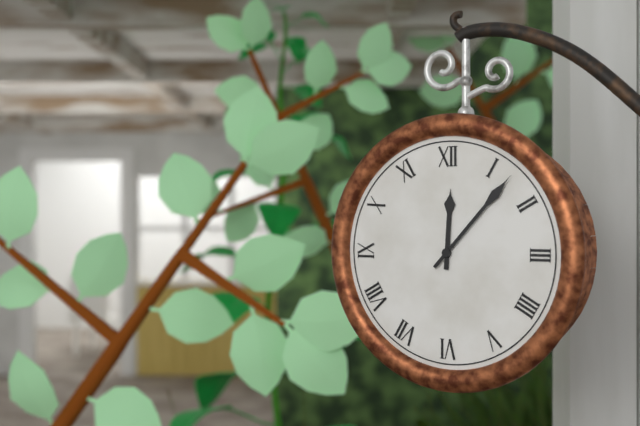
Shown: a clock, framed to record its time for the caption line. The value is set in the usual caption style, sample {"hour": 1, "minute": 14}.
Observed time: {"hour": 12, "minute": 7}
